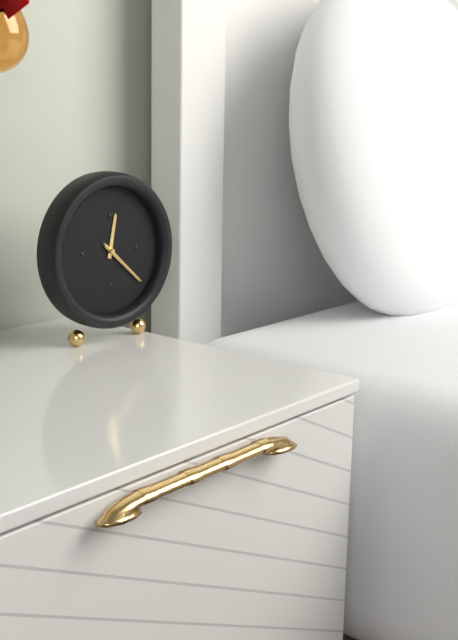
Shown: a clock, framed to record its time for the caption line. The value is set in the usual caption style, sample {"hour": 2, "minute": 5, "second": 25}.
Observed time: {"hour": 12, "minute": 22, "second": 22}
